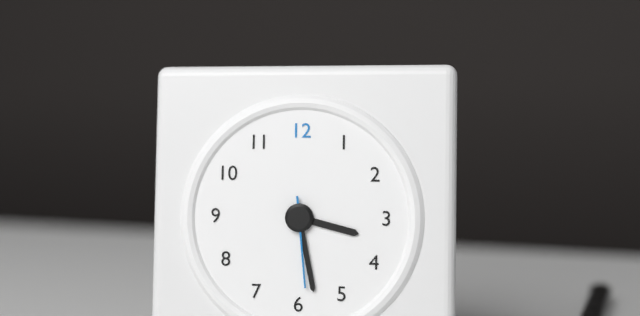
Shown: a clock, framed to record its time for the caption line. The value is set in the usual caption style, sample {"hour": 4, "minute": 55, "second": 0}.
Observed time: {"hour": 3, "minute": 28, "second": 29}
